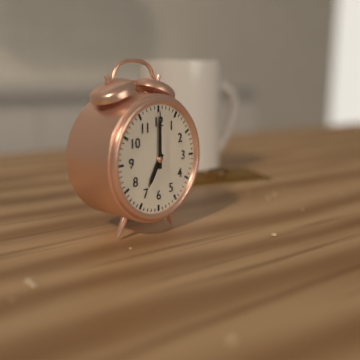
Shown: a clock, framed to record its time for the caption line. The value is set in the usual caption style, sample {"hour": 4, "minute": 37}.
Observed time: {"hour": 7, "minute": 0}
